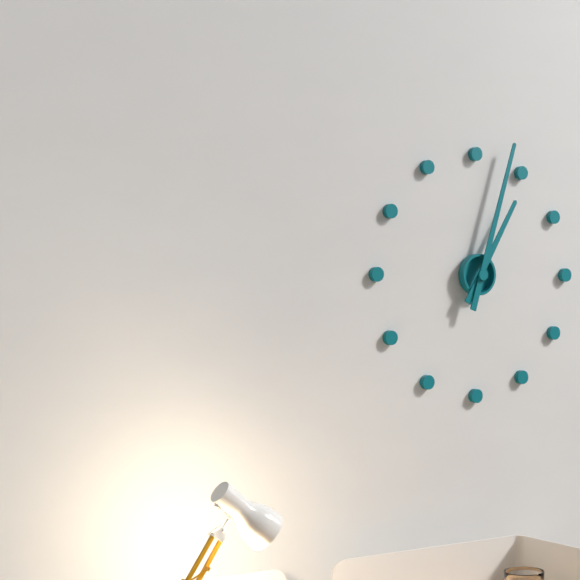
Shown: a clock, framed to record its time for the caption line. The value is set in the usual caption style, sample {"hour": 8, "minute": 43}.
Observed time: {"hour": 1, "minute": 3}
